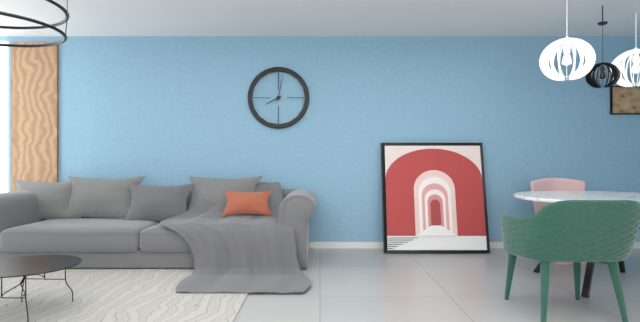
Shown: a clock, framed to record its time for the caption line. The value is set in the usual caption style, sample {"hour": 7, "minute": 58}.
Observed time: {"hour": 8, "minute": 2}
